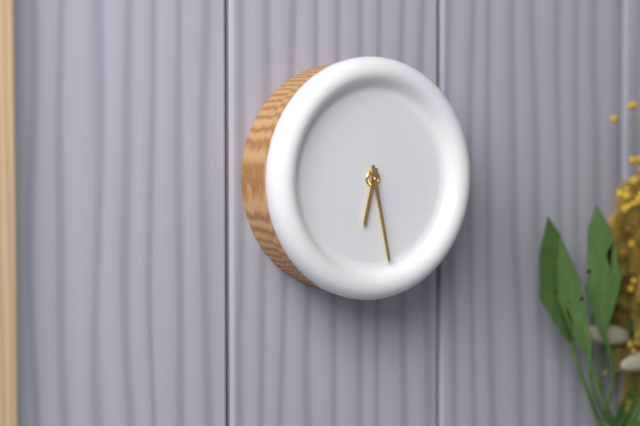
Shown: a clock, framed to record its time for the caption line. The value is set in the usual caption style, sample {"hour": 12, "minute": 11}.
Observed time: {"hour": 6, "minute": 28}
